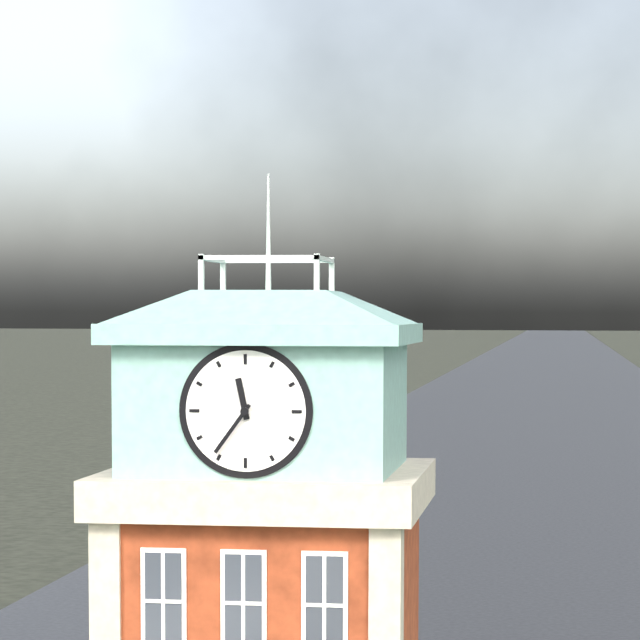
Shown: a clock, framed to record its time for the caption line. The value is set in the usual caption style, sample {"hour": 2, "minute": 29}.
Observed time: {"hour": 11, "minute": 36}
